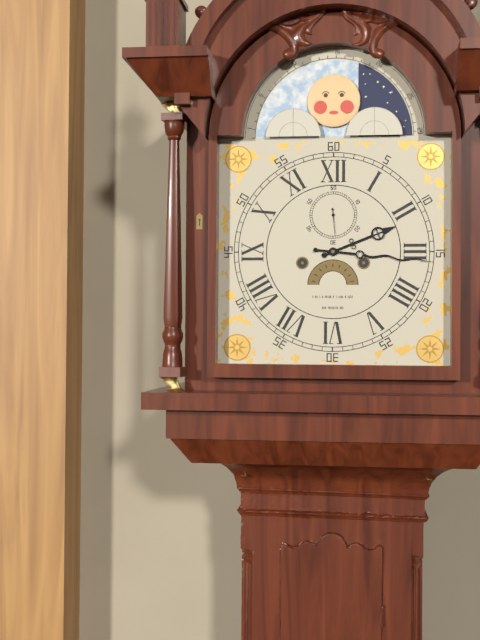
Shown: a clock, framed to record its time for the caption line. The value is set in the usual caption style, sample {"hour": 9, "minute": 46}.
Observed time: {"hour": 2, "minute": 16}
